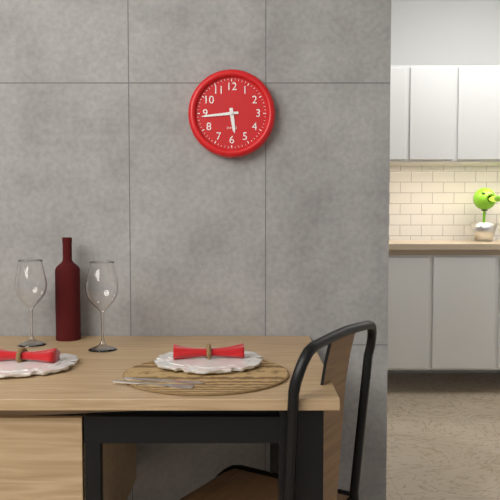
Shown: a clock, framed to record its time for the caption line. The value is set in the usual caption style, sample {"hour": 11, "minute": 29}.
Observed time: {"hour": 5, "minute": 44}
